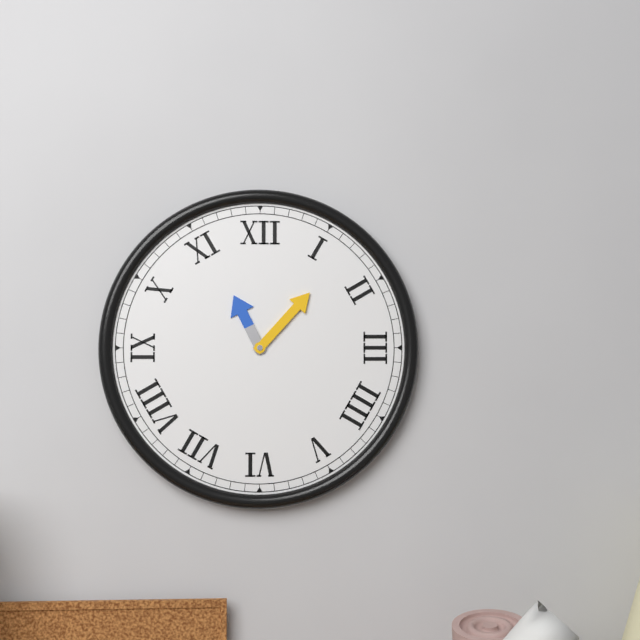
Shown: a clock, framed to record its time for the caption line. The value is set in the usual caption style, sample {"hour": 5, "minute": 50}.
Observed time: {"hour": 11, "minute": 7}
